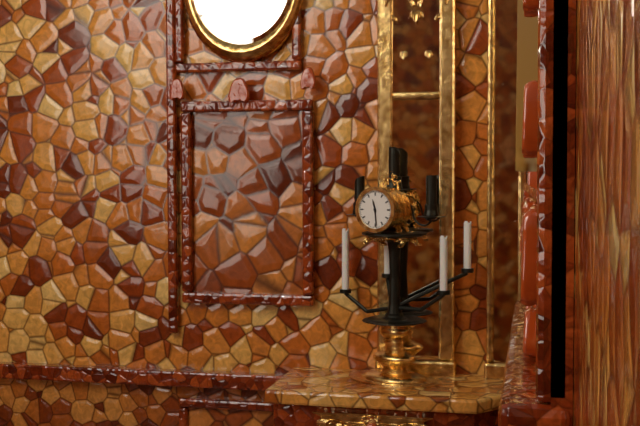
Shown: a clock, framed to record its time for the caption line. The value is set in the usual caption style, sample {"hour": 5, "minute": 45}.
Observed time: {"hour": 11, "minute": 29}
